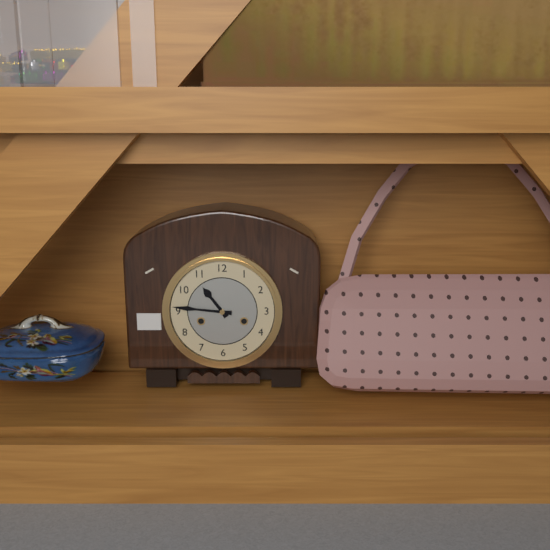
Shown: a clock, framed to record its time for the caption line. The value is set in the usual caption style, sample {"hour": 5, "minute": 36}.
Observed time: {"hour": 10, "minute": 46}
